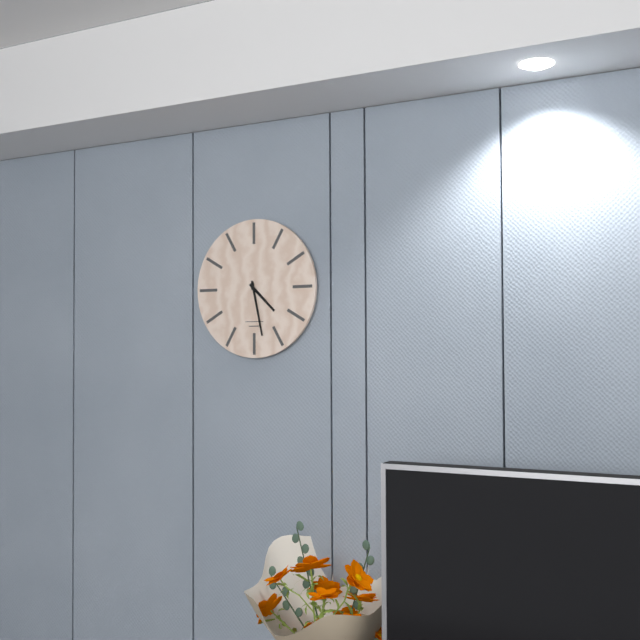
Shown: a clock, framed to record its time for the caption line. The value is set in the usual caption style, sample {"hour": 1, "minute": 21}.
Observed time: {"hour": 4, "minute": 28}
